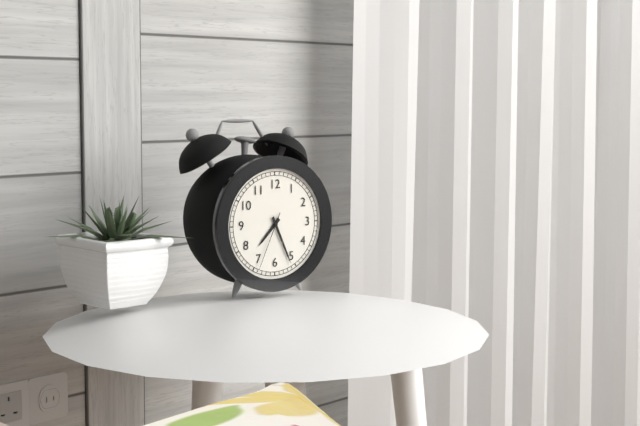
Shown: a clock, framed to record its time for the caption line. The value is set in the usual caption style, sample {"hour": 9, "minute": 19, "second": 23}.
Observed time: {"hour": 7, "minute": 26, "second": 34}
